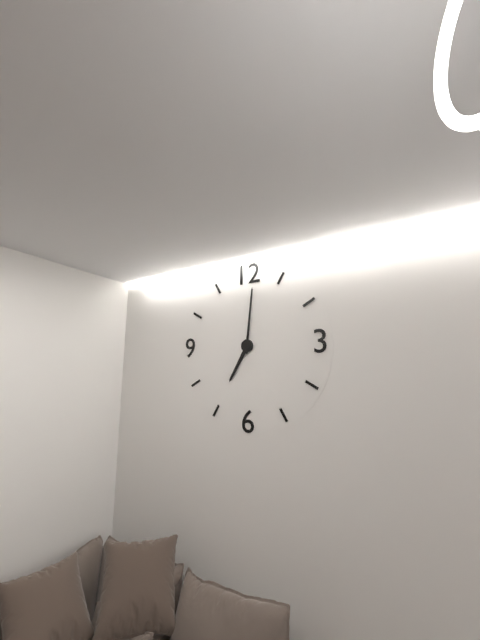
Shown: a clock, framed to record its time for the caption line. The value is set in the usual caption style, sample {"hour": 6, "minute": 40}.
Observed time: {"hour": 7, "minute": 1}
